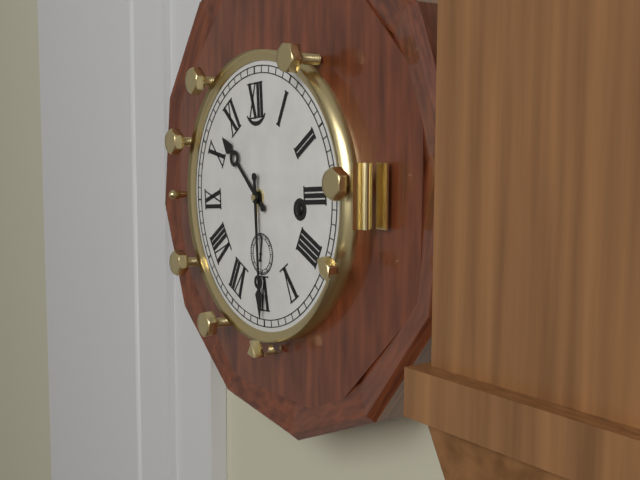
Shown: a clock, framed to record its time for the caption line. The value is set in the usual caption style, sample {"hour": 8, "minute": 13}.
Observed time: {"hour": 10, "minute": 30}
